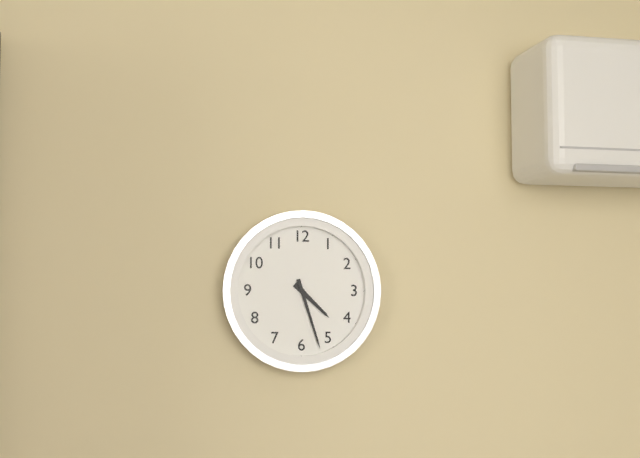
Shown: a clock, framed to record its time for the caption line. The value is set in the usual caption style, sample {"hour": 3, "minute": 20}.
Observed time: {"hour": 4, "minute": 27}
